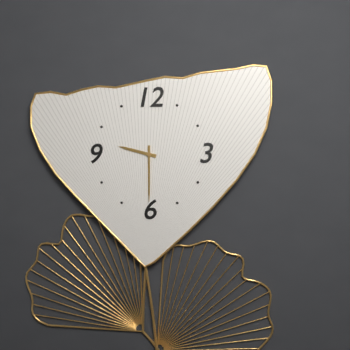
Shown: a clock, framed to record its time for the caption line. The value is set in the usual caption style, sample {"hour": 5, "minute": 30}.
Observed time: {"hour": 9, "minute": 30}
